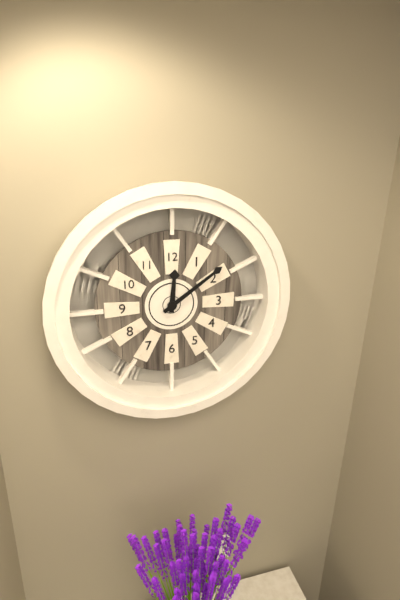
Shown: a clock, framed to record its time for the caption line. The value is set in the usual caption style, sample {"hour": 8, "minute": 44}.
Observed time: {"hour": 12, "minute": 9}
